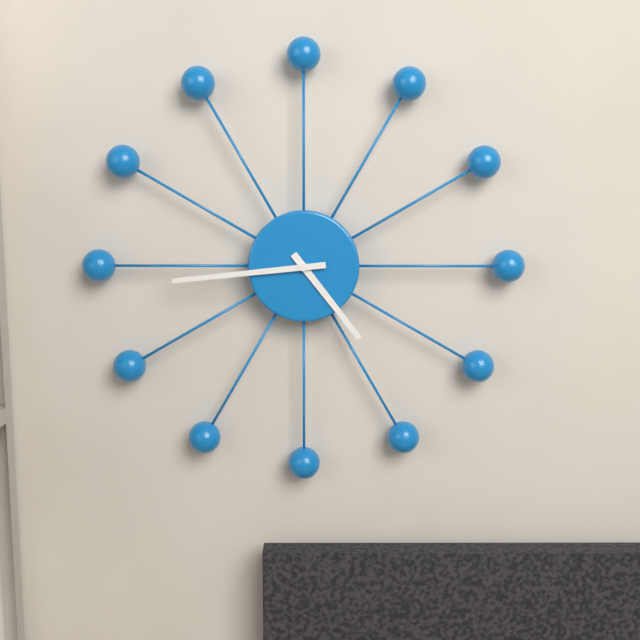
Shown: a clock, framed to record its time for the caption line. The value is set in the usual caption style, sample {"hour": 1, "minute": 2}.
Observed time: {"hour": 4, "minute": 44}
